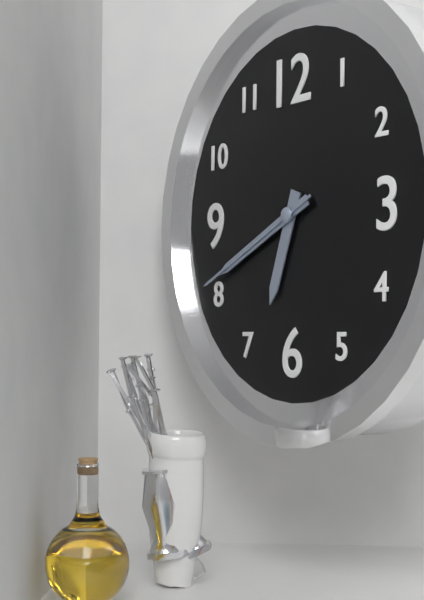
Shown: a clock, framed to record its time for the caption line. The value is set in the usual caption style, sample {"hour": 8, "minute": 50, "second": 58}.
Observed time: {"hour": 6, "minute": 41, "second": 41}
